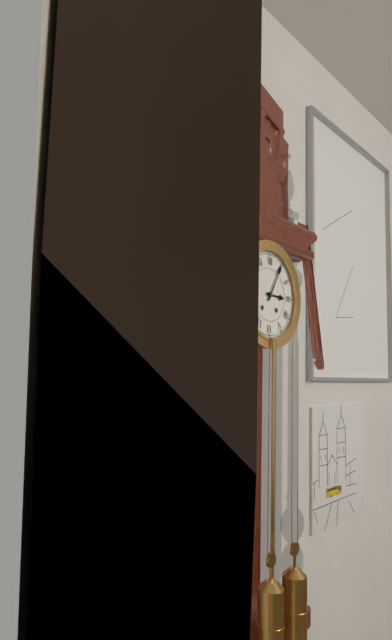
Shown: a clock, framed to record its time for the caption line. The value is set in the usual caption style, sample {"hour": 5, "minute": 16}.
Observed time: {"hour": 3, "minute": 5}
